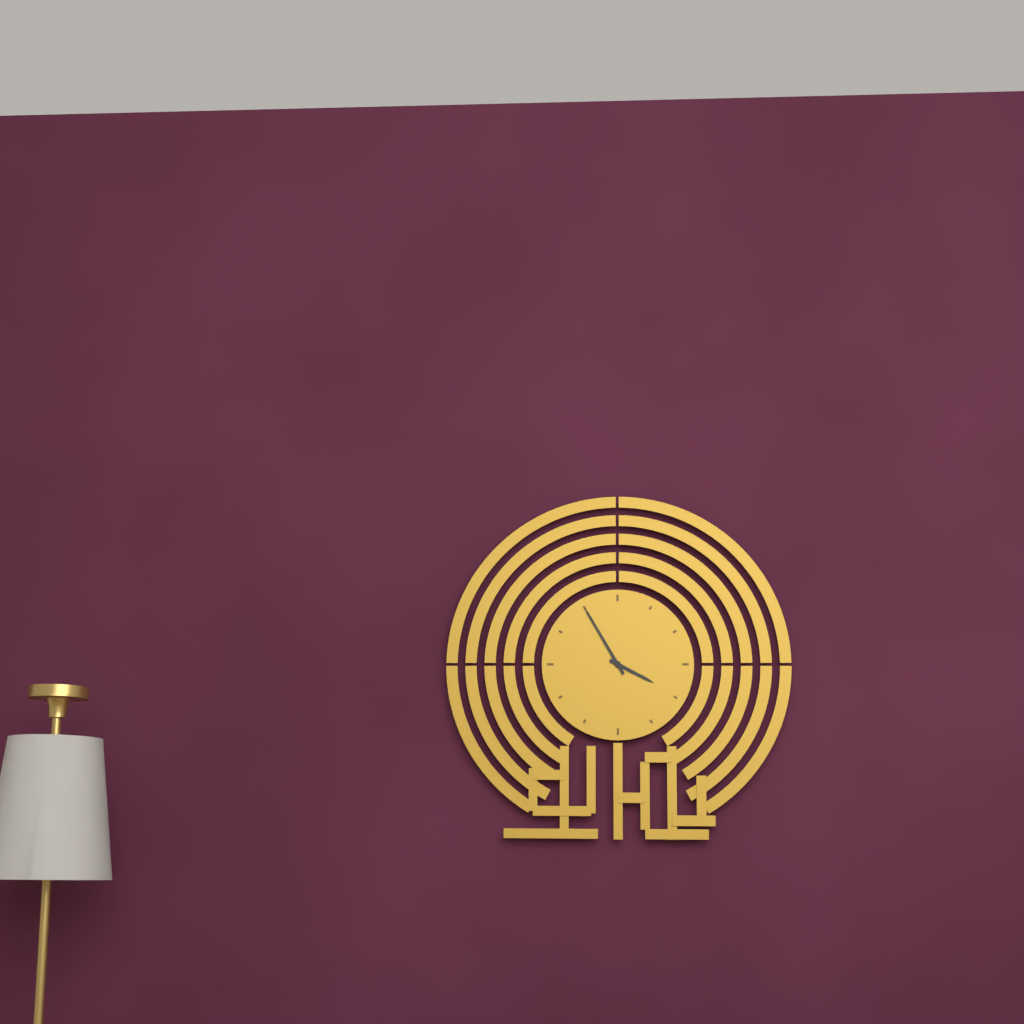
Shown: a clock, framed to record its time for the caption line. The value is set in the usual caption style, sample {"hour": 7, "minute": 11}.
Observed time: {"hour": 3, "minute": 55}
